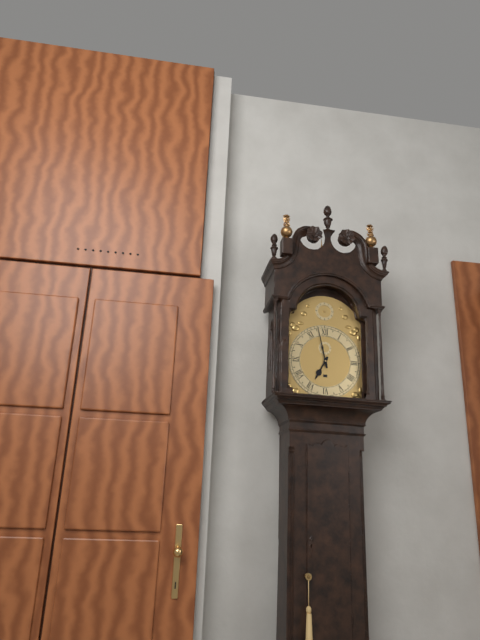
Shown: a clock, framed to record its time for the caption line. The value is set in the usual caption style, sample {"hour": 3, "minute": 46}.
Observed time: {"hour": 6, "minute": 58}
